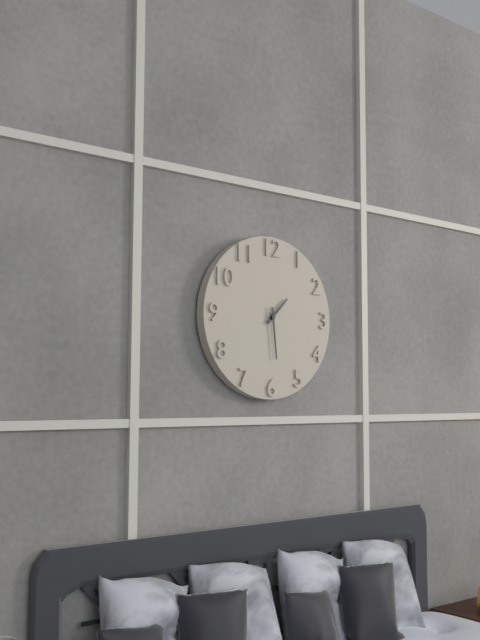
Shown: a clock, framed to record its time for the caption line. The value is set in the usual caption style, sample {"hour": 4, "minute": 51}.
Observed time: {"hour": 1, "minute": 29}
